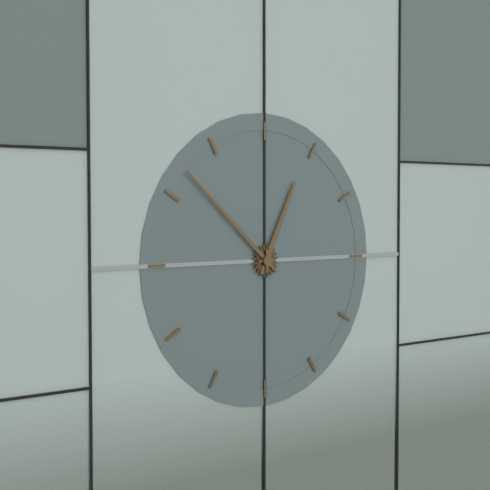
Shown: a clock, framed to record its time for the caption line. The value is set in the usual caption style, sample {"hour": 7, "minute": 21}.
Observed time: {"hour": 12, "minute": 52}
